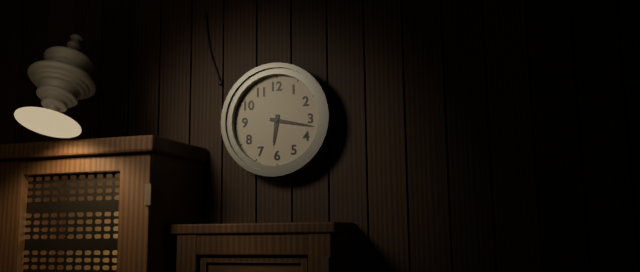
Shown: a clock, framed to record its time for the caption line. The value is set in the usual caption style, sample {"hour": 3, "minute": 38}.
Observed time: {"hour": 6, "minute": 17}
